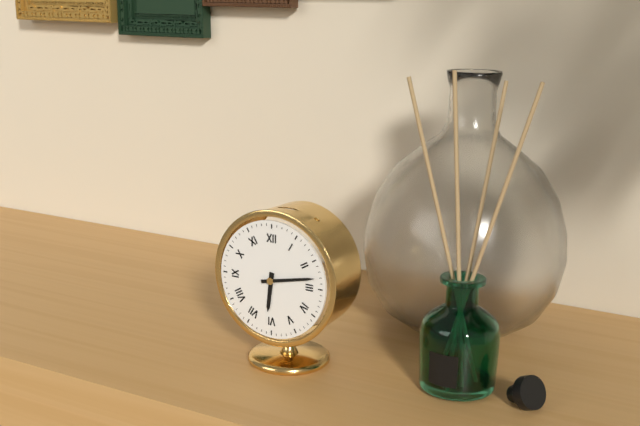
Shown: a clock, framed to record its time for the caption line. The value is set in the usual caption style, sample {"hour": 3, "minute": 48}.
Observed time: {"hour": 6, "minute": 13}
